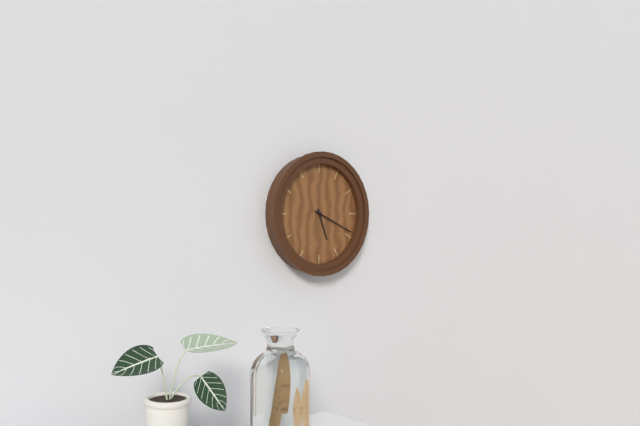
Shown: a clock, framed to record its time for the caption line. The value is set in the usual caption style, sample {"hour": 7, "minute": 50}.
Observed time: {"hour": 5, "minute": 19}
